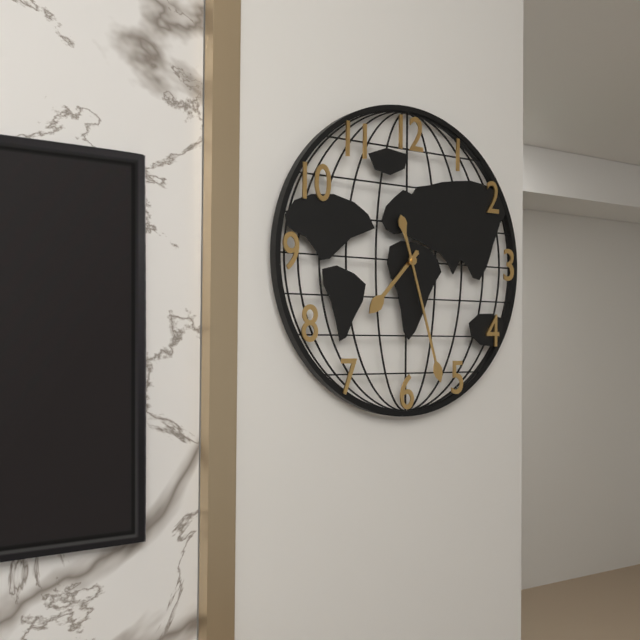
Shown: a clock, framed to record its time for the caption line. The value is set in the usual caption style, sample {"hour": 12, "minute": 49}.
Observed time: {"hour": 7, "minute": 27}
